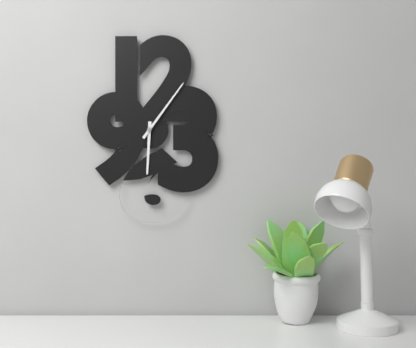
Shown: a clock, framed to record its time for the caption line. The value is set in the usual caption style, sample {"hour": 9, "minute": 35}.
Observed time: {"hour": 6, "minute": 6}
